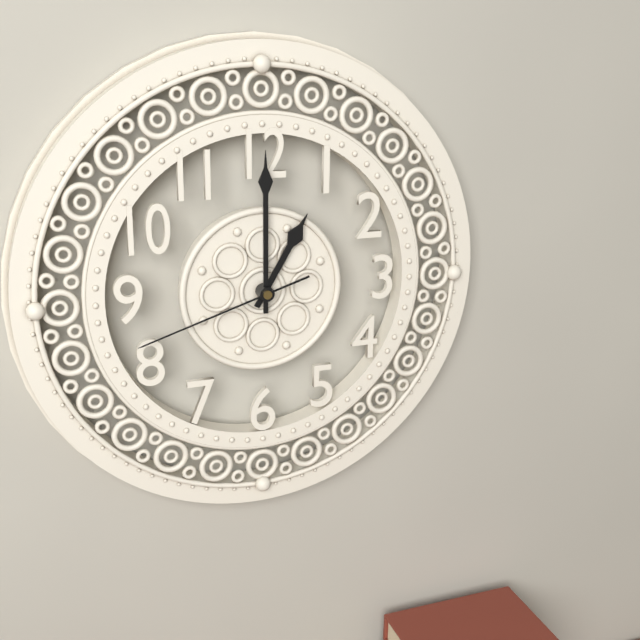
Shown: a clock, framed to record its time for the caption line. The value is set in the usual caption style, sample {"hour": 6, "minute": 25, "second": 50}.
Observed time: {"hour": 1, "minute": 0, "second": 42}
